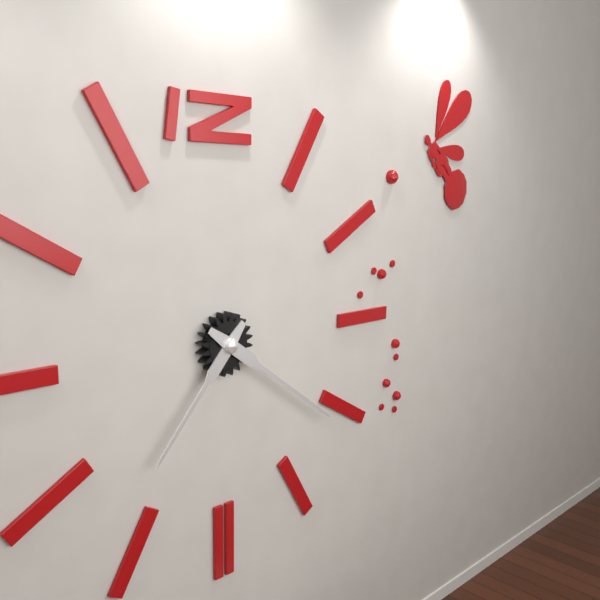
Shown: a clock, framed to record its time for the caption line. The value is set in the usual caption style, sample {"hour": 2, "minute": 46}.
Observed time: {"hour": 7, "minute": 21}
